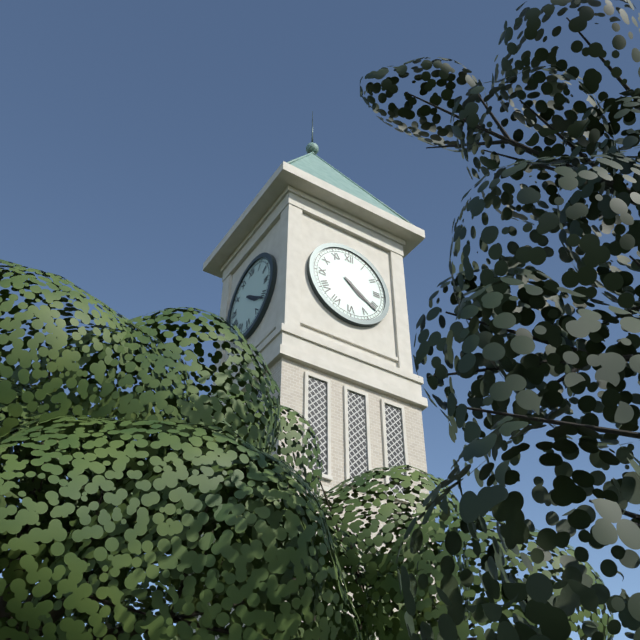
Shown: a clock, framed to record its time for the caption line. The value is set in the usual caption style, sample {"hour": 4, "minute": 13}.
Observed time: {"hour": 4, "minute": 21}
